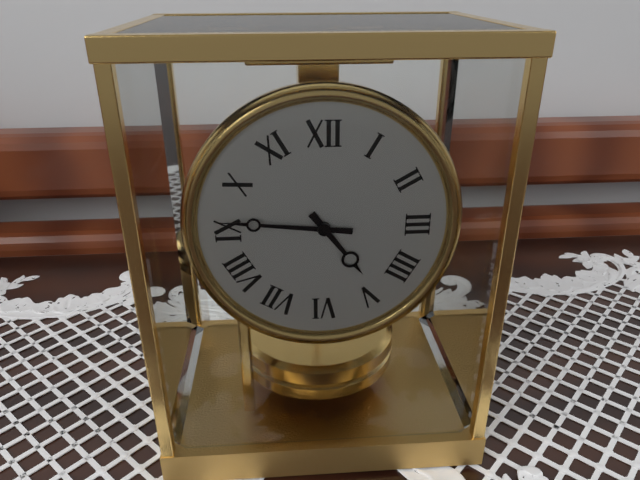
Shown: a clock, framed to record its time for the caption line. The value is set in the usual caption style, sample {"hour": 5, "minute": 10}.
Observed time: {"hour": 4, "minute": 46}
